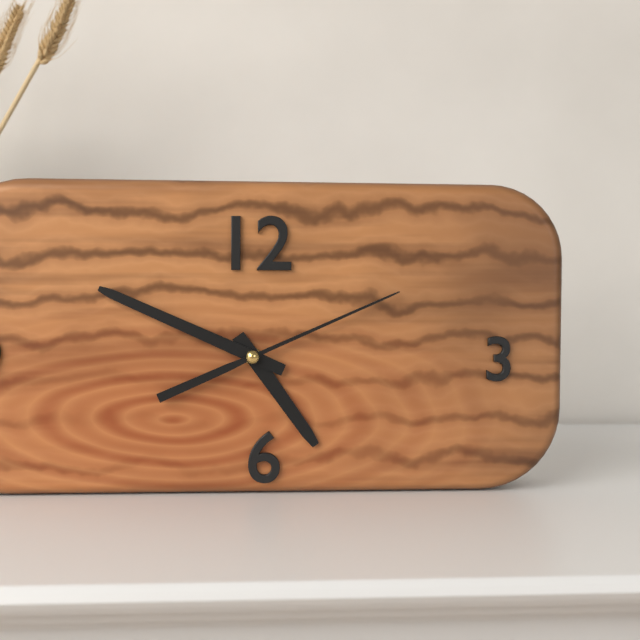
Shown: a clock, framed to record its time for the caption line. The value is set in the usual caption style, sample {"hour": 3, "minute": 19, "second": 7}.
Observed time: {"hour": 4, "minute": 49, "second": 11}
